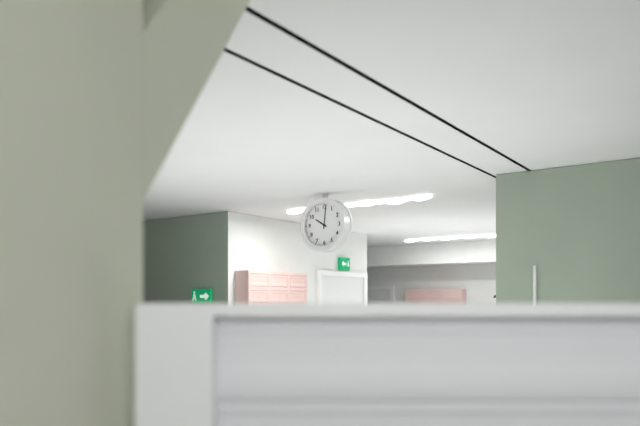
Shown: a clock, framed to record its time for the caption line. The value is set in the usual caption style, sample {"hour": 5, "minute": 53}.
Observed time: {"hour": 10, "minute": 1}
